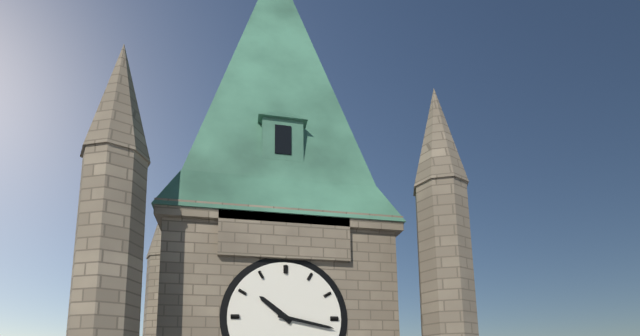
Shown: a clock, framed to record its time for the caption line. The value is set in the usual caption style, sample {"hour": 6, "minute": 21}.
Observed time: {"hour": 10, "minute": 17}
